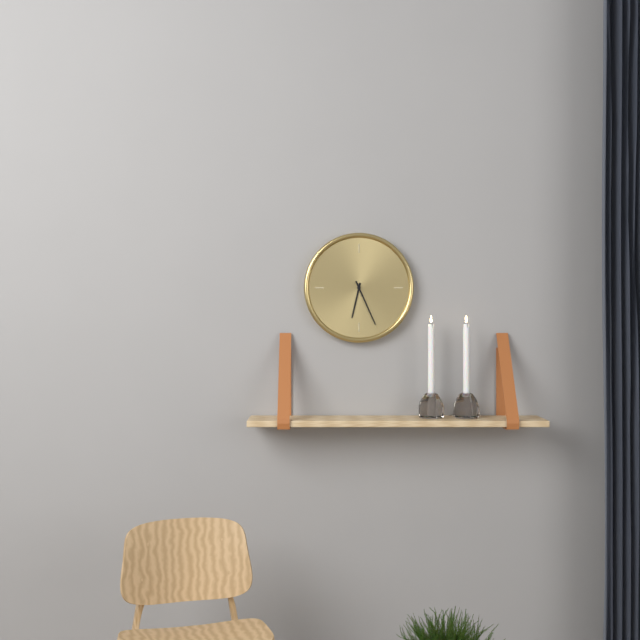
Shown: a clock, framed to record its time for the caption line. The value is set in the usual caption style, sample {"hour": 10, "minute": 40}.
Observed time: {"hour": 6, "minute": 26}
